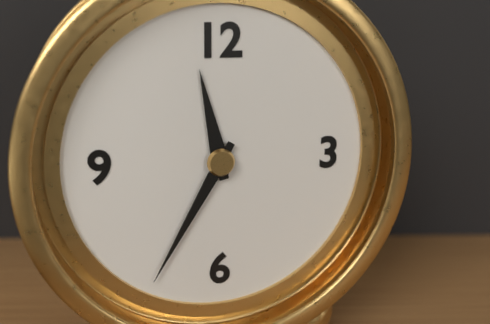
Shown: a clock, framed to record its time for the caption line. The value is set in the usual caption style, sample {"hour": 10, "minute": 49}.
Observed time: {"hour": 11, "minute": 35}
